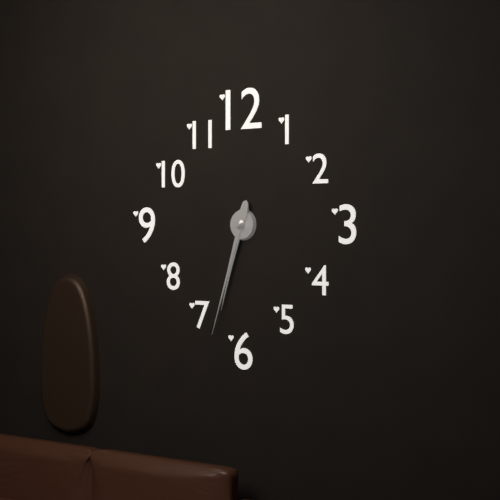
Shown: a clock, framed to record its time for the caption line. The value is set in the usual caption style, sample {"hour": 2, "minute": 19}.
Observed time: {"hour": 6, "minute": 33}
